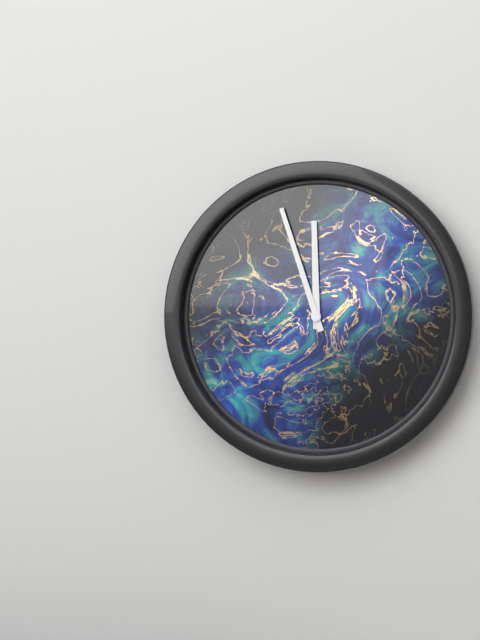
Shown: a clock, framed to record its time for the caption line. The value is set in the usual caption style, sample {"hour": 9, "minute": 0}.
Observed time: {"hour": 11, "minute": 57}
